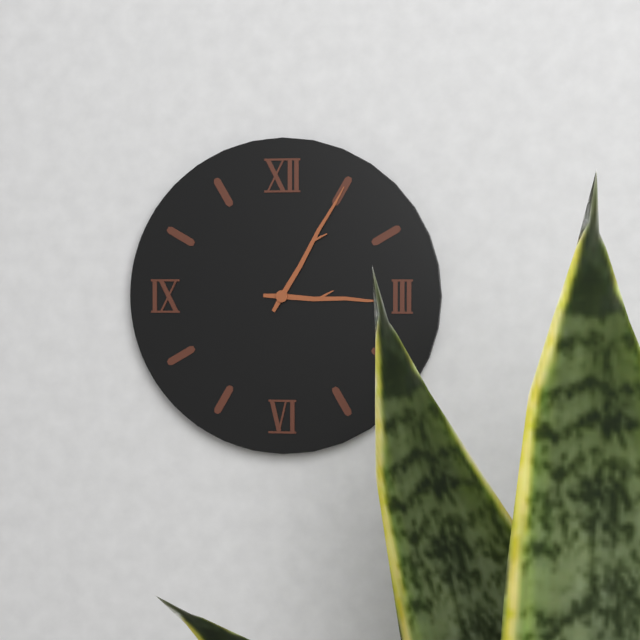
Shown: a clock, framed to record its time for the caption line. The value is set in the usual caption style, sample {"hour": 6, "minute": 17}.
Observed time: {"hour": 3, "minute": 5}
